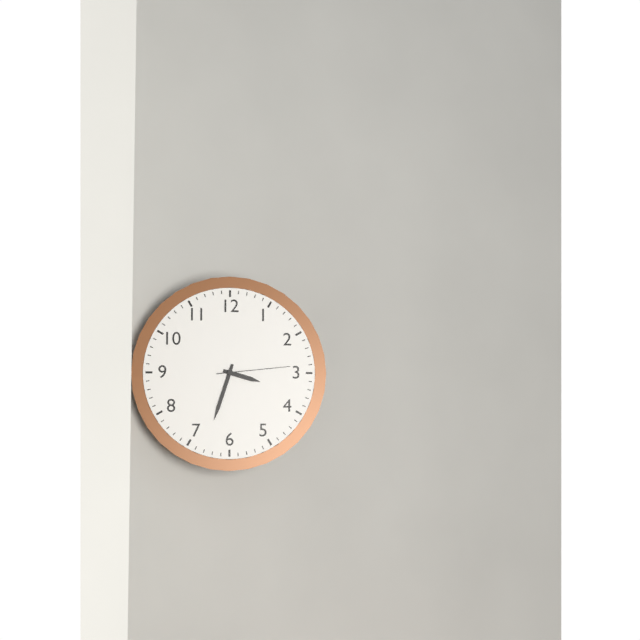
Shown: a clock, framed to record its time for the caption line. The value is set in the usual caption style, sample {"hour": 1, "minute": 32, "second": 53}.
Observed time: {"hour": 3, "minute": 33, "second": 14}
